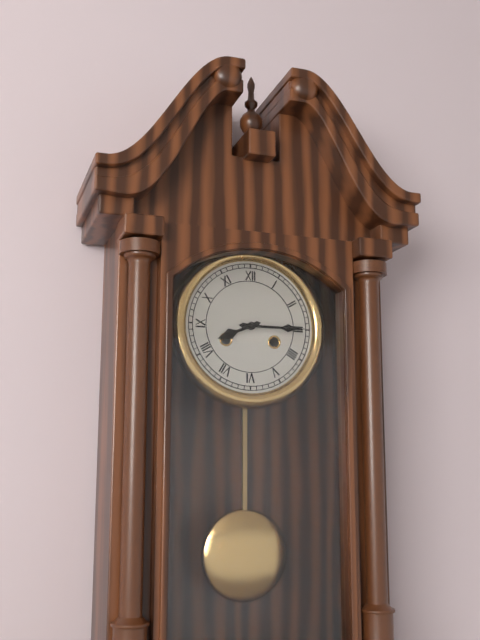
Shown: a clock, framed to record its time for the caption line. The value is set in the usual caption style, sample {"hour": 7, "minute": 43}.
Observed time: {"hour": 8, "minute": 15}
